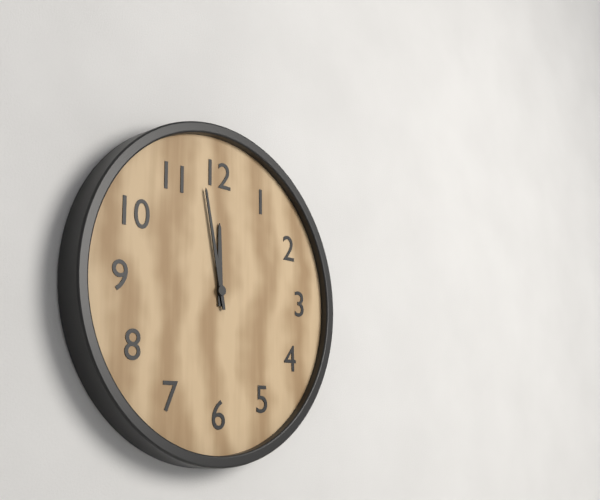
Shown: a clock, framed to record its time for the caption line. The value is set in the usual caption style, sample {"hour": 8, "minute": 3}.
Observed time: {"hour": 11, "minute": 58}
